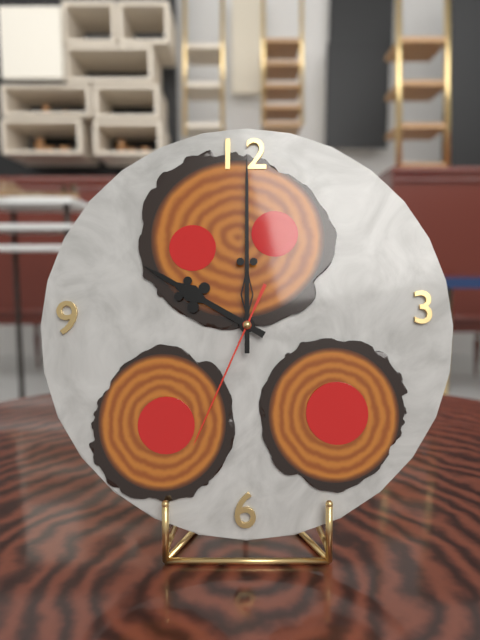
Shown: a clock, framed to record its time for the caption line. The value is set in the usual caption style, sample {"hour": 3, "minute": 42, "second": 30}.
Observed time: {"hour": 10, "minute": 0, "second": 34}
